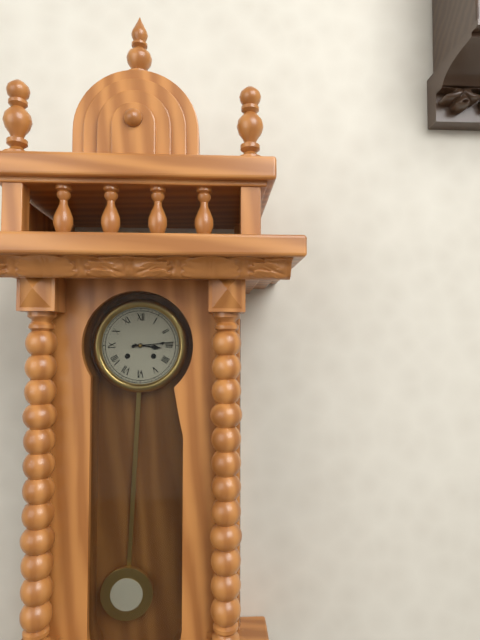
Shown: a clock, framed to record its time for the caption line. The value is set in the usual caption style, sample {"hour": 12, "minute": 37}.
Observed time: {"hour": 3, "minute": 14}
